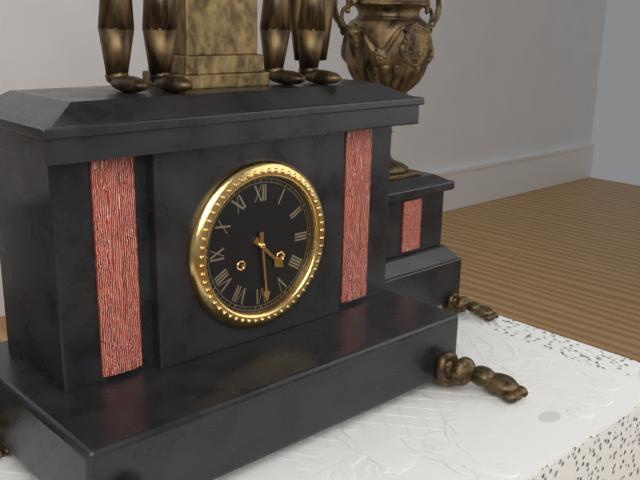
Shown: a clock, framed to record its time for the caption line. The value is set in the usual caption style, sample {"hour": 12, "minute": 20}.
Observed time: {"hour": 4, "minute": 29}
